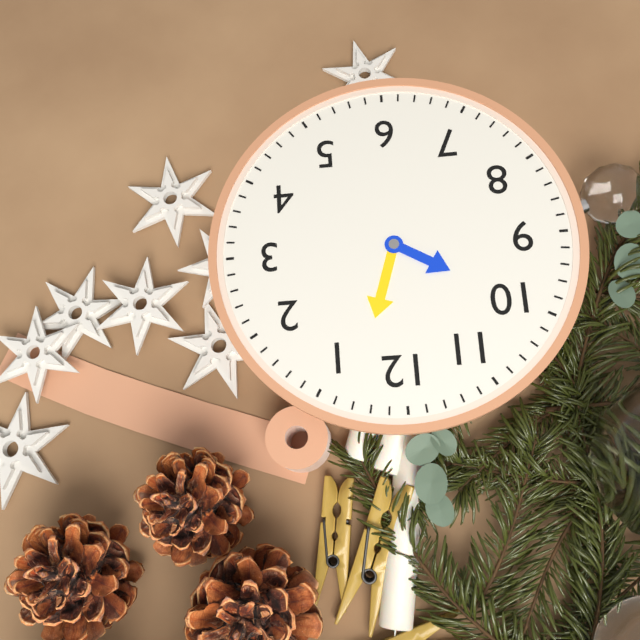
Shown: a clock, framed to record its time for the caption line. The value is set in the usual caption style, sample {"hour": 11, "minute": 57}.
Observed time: {"hour": 10, "minute": 3}
